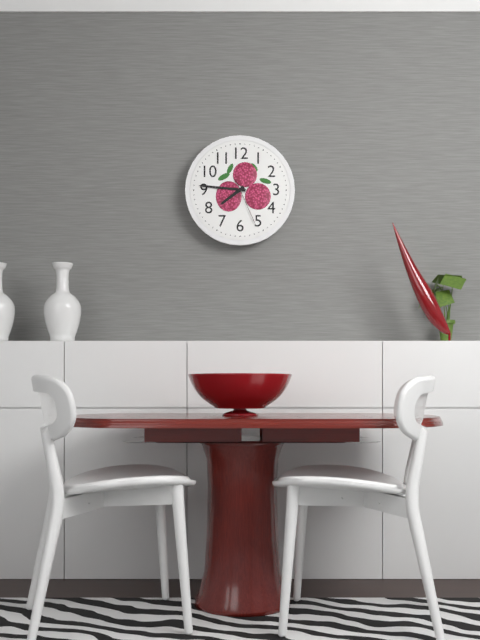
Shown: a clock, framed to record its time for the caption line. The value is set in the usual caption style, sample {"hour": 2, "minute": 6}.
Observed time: {"hour": 7, "minute": 46}
